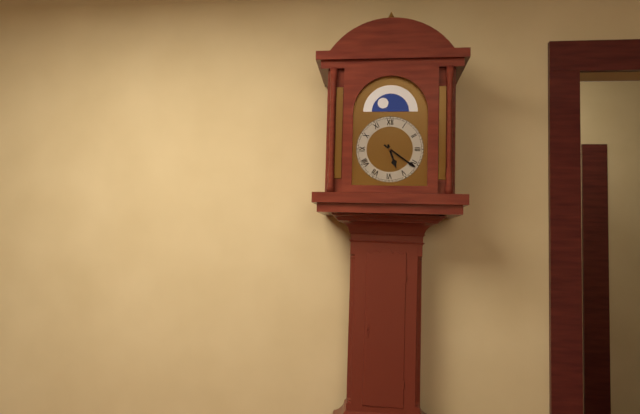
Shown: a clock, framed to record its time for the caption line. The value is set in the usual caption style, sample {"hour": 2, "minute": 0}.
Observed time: {"hour": 5, "minute": 21}
